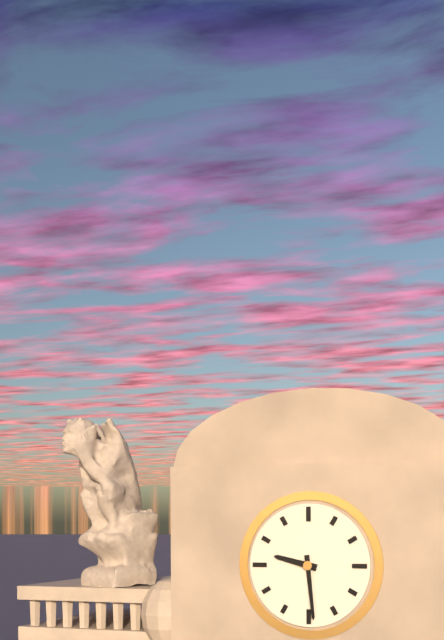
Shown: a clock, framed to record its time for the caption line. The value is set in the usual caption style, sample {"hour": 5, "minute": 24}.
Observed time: {"hour": 9, "minute": 29}
